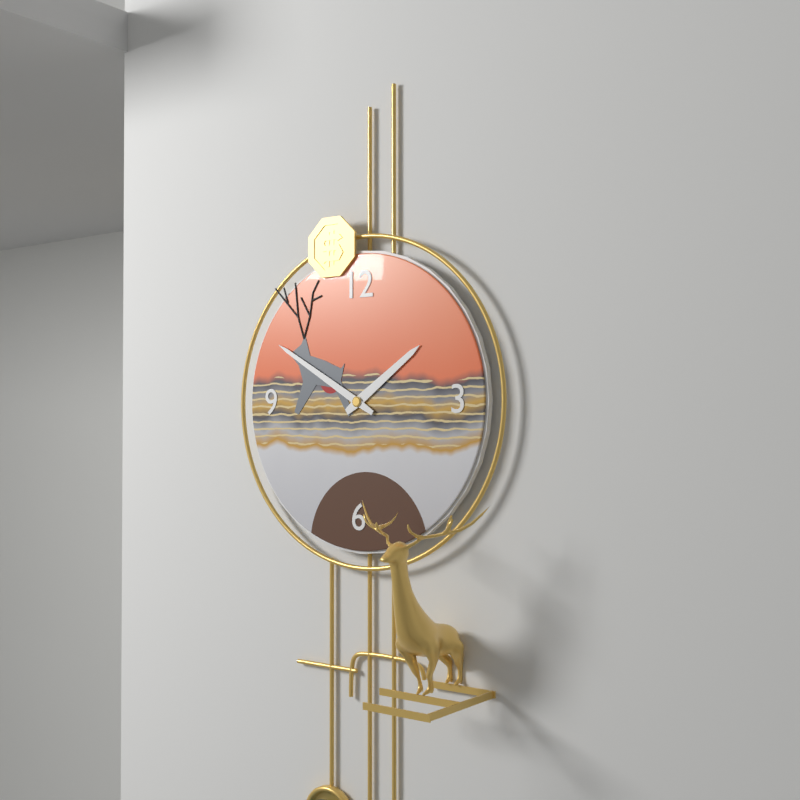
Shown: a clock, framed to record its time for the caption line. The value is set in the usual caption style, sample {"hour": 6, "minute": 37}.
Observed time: {"hour": 1, "minute": 50}
